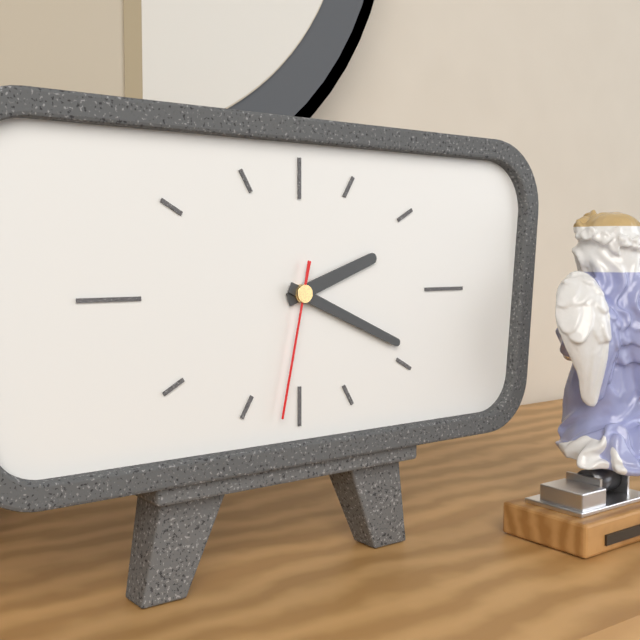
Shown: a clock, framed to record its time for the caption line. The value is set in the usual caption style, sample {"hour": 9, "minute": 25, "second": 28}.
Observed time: {"hour": 2, "minute": 19, "second": 32}
